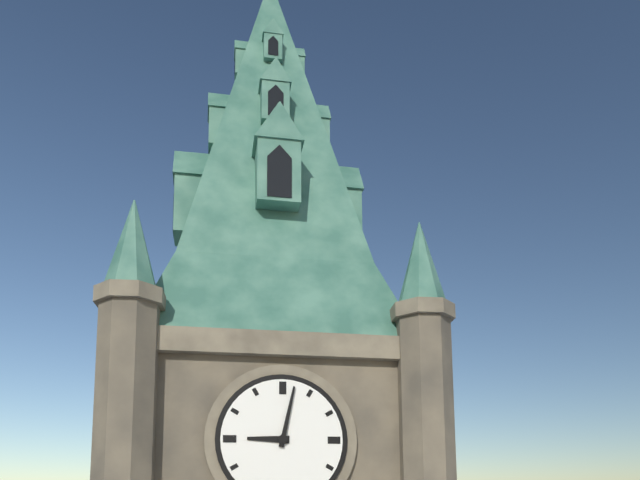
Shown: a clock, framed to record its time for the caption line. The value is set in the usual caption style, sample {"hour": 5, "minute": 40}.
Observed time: {"hour": 9, "minute": 2}
